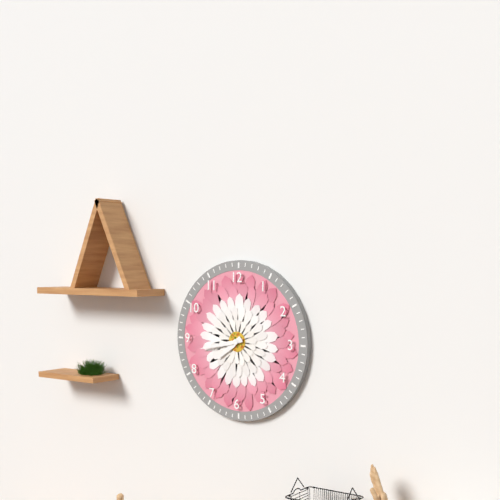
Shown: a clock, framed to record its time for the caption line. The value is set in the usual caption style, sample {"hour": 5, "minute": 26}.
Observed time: {"hour": 7, "minute": 43}
